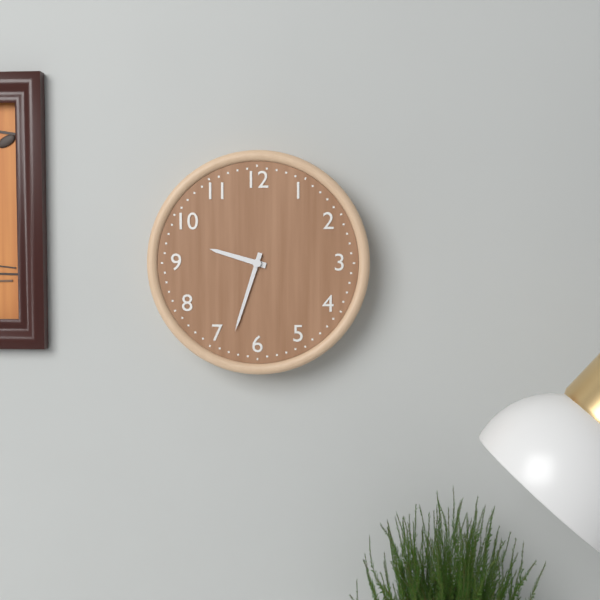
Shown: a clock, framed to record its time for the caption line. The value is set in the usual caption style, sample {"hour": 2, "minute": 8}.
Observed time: {"hour": 9, "minute": 33}
